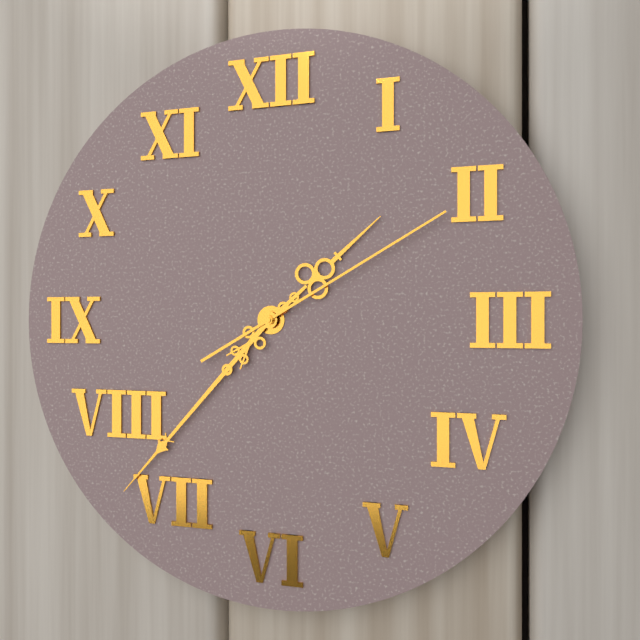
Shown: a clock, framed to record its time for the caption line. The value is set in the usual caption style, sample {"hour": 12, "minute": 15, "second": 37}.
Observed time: {"hour": 1, "minute": 37, "second": 10}
